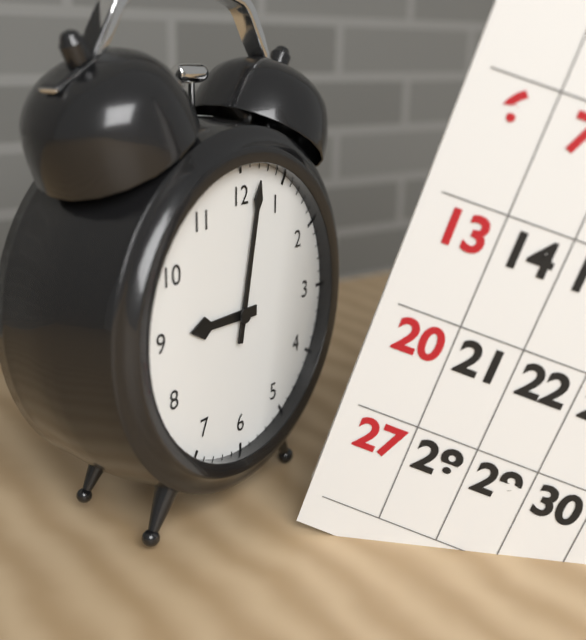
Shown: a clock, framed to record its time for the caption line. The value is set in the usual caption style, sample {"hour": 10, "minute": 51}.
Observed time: {"hour": 9, "minute": 2}
